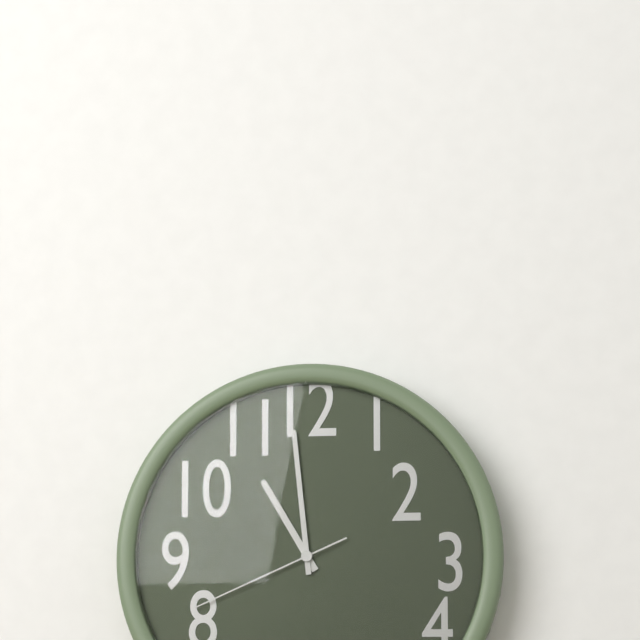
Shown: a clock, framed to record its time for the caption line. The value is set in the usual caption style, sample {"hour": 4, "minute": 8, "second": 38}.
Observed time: {"hour": 10, "minute": 59, "second": 41}
